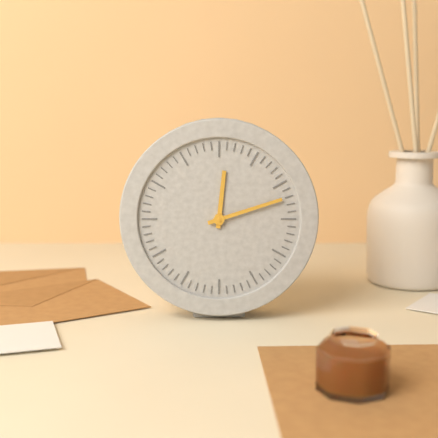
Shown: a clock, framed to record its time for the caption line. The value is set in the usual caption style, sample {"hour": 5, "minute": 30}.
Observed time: {"hour": 12, "minute": 12}
